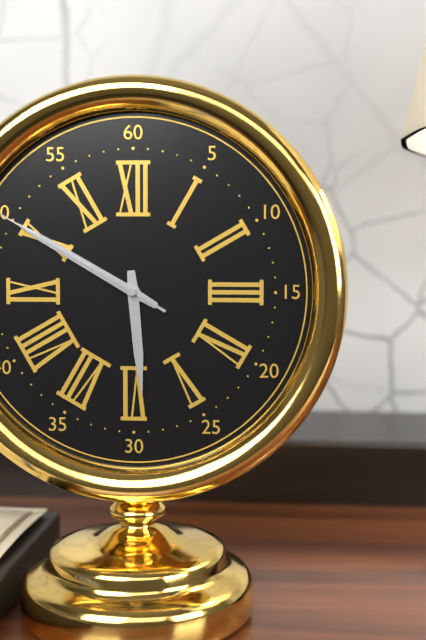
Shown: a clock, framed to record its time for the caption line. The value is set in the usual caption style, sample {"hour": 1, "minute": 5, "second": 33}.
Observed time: {"hour": 5, "minute": 50, "second": 50}
